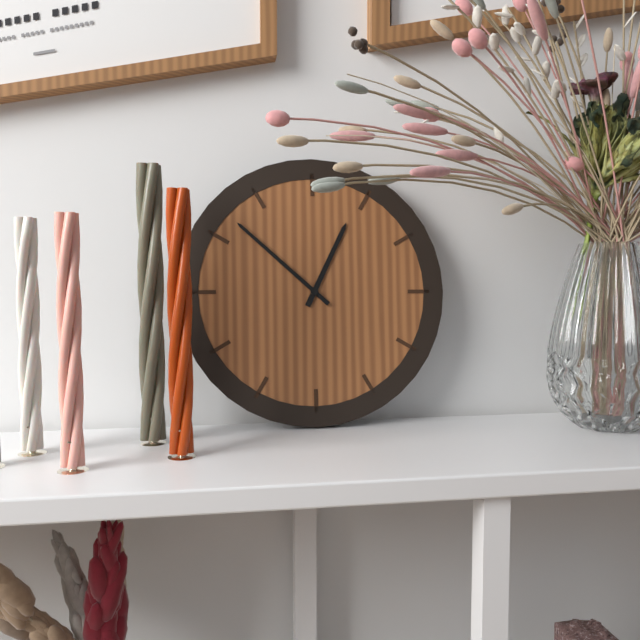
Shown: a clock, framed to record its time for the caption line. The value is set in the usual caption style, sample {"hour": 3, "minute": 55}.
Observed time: {"hour": 12, "minute": 52}
